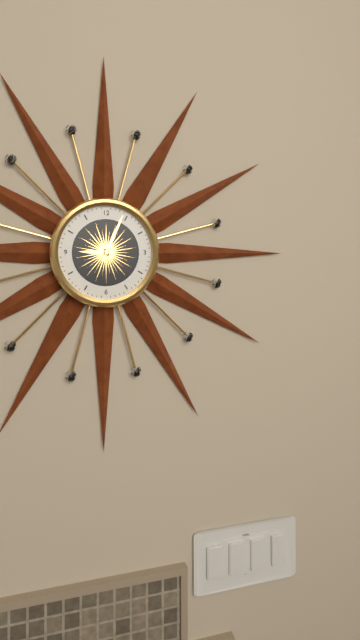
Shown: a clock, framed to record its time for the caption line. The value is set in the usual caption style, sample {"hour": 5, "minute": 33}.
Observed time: {"hour": 9, "minute": 4}
